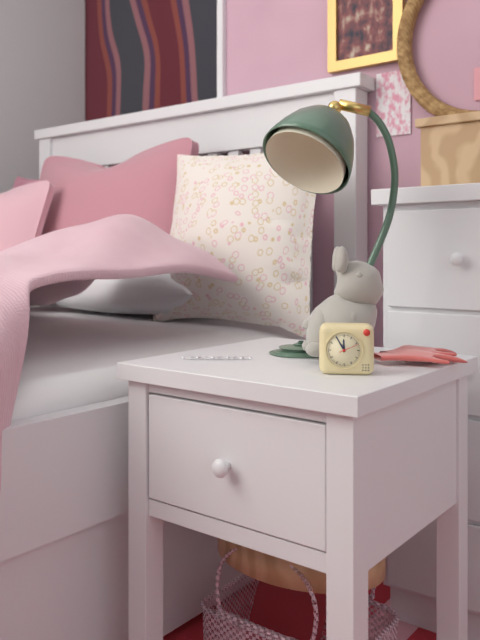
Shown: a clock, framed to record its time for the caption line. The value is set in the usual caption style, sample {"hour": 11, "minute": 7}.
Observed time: {"hour": 11, "minute": 55}
